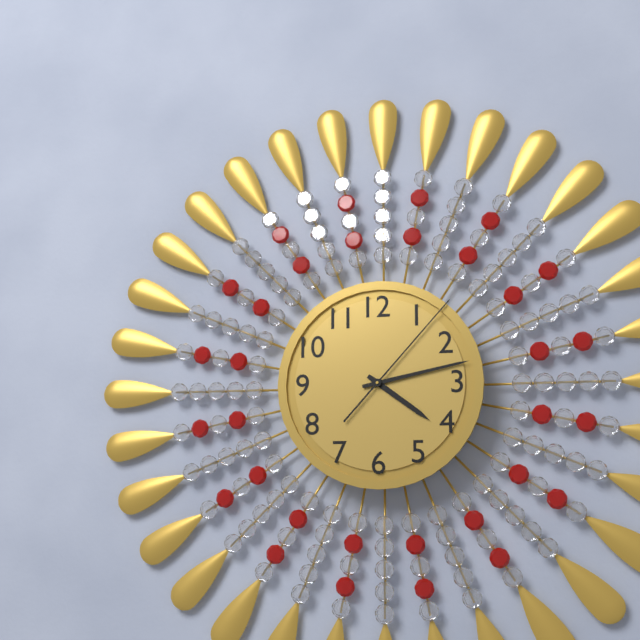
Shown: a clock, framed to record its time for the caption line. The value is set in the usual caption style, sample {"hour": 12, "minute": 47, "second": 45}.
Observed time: {"hour": 4, "minute": 13, "second": 7}
